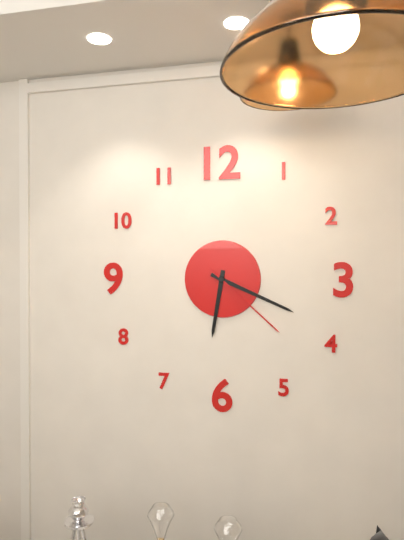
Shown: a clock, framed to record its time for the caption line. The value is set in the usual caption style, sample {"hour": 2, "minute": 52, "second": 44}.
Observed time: {"hour": 6, "minute": 19, "second": 22}
